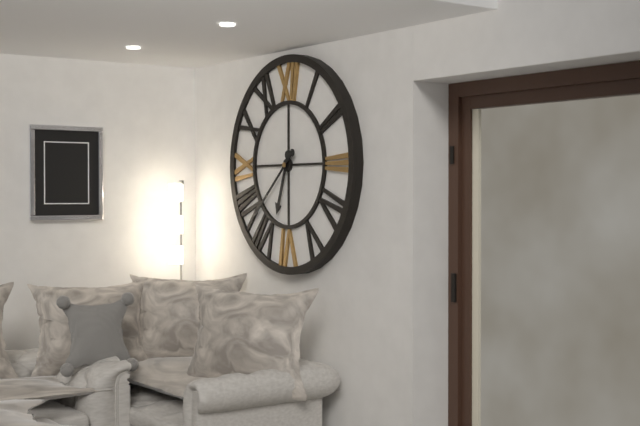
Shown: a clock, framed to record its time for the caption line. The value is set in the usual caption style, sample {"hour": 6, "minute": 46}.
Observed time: {"hour": 6, "minute": 38}
